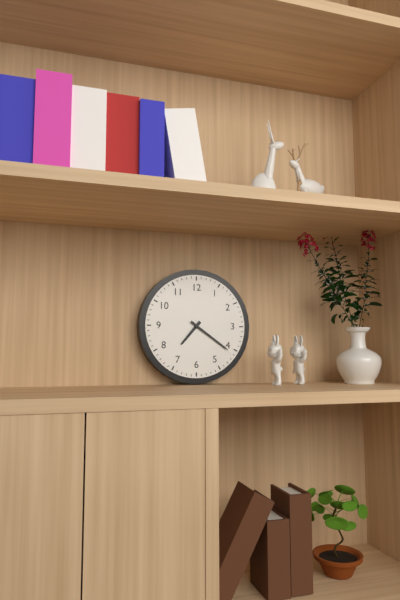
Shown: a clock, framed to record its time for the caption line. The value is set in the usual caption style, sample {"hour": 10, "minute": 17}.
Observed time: {"hour": 7, "minute": 21}
